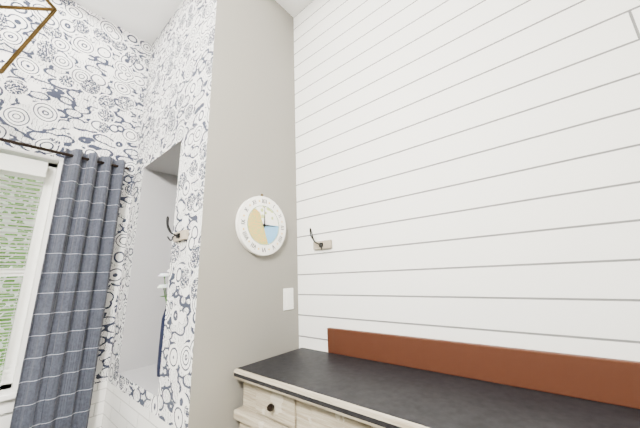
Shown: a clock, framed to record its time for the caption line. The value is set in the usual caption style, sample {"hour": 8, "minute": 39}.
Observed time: {"hour": 3, "minute": 0}
